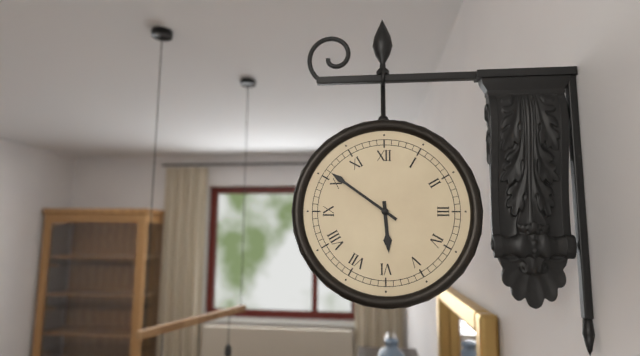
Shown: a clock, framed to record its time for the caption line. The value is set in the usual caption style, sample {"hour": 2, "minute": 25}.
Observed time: {"hour": 5, "minute": 51}
